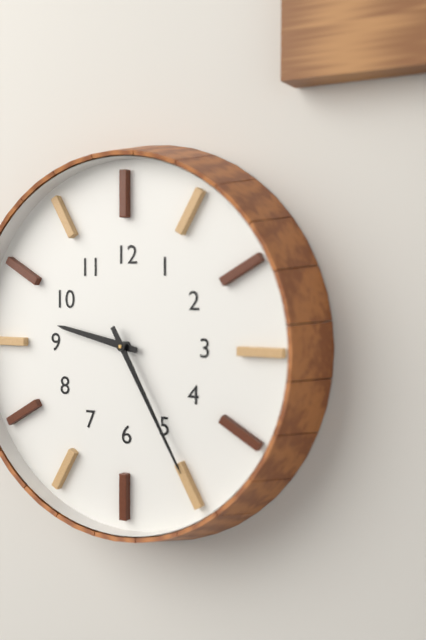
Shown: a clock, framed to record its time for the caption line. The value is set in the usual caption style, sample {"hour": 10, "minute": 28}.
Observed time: {"hour": 9, "minute": 25}
